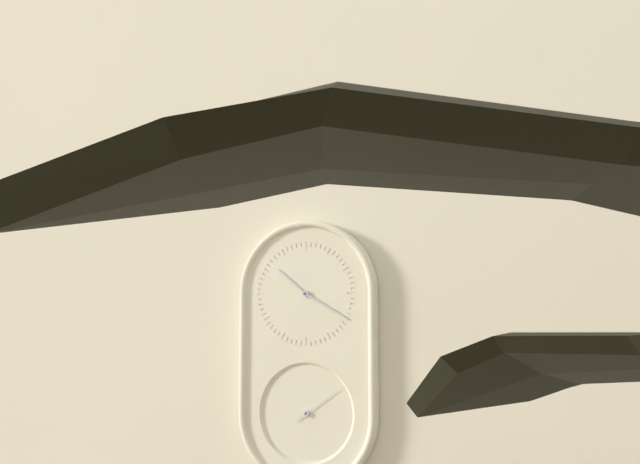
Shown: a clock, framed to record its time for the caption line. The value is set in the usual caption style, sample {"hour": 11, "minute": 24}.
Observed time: {"hour": 10, "minute": 20}
